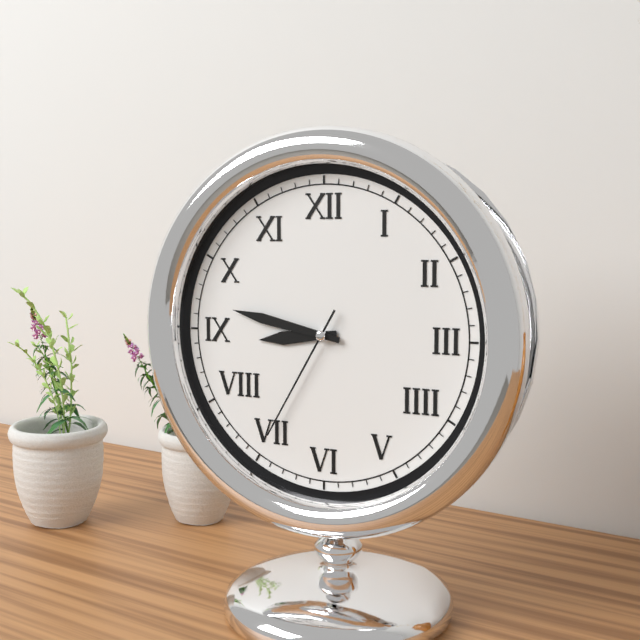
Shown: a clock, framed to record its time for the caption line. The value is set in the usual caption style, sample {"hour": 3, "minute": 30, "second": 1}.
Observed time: {"hour": 8, "minute": 47, "second": 35}
